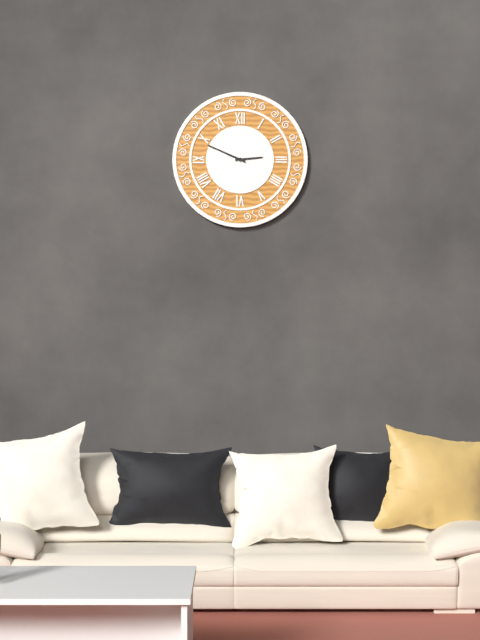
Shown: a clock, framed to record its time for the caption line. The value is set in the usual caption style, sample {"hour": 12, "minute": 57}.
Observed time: {"hour": 2, "minute": 49}
